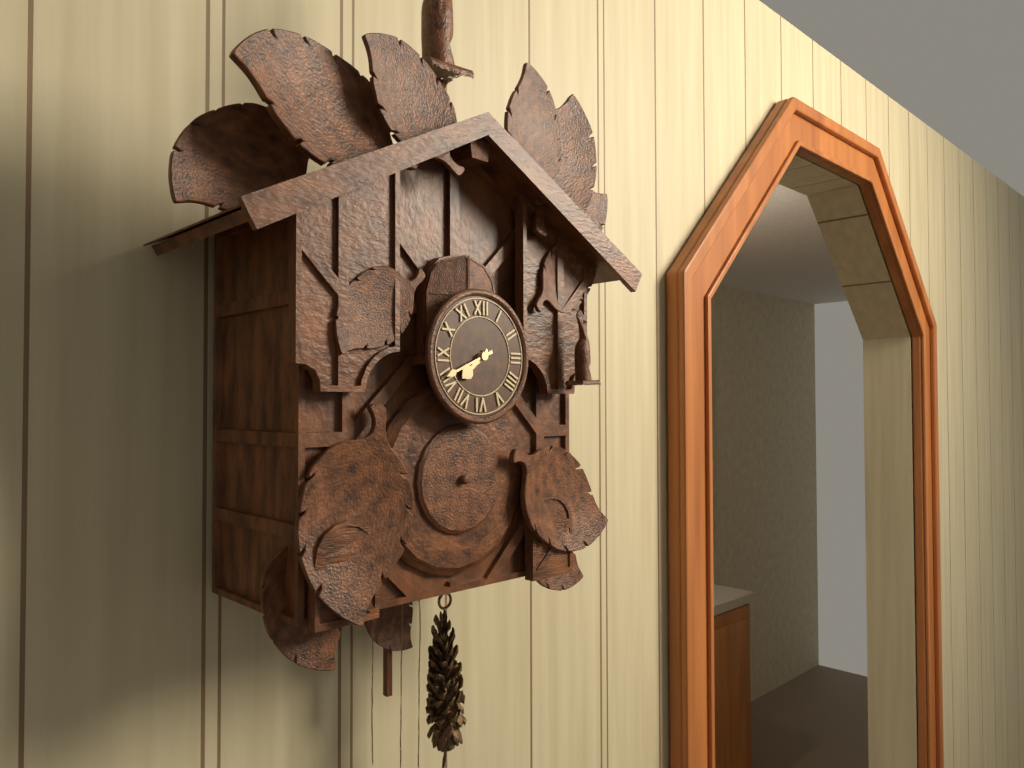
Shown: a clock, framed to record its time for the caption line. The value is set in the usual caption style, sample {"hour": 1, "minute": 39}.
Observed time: {"hour": 7, "minute": 41}
